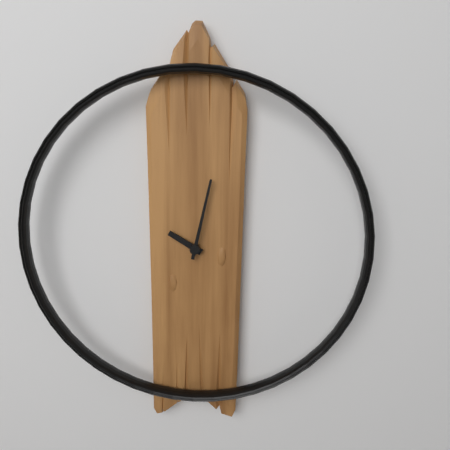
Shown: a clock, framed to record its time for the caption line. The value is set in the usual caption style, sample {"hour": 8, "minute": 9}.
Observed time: {"hour": 10, "minute": 2}
